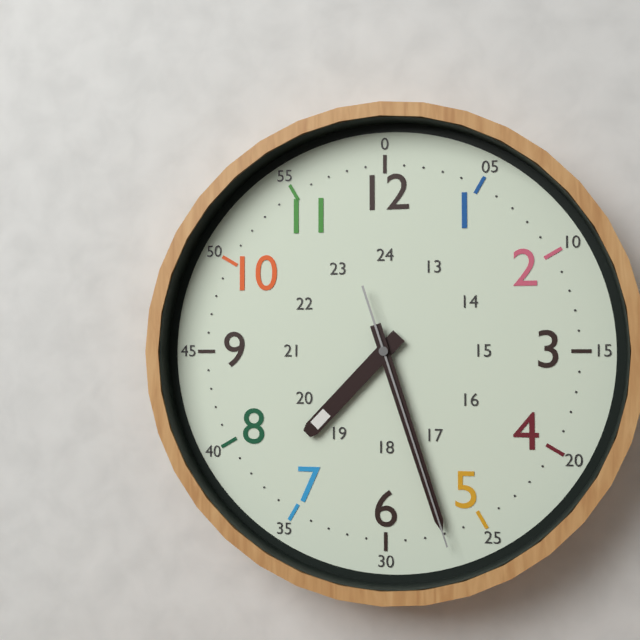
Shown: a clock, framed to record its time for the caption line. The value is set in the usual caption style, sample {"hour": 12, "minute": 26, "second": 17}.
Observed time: {"hour": 7, "minute": 27, "second": 27}
